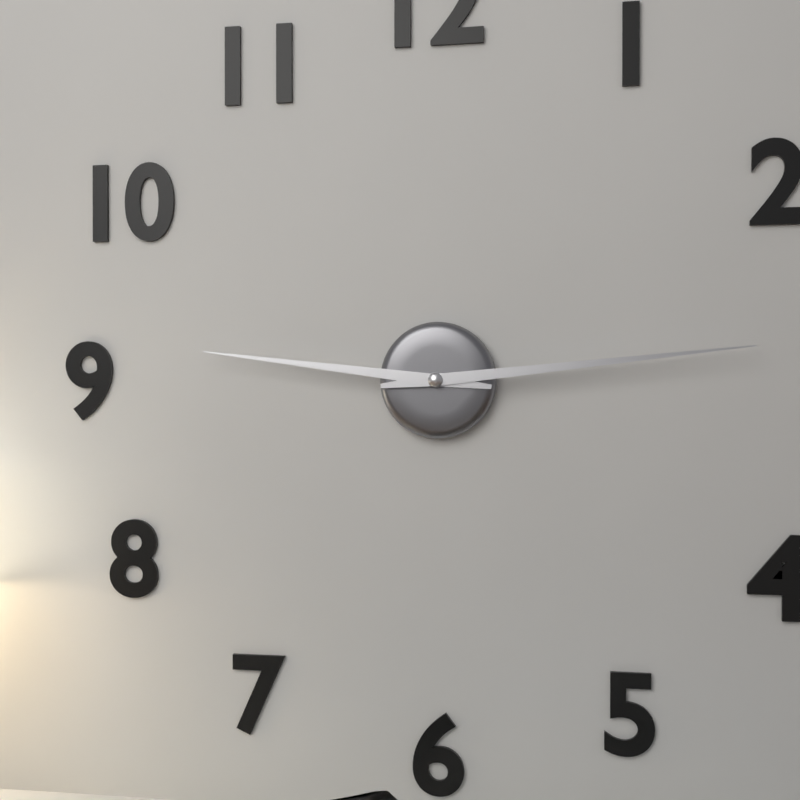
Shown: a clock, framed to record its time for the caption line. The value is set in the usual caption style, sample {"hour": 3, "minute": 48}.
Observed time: {"hour": 9, "minute": 14}
